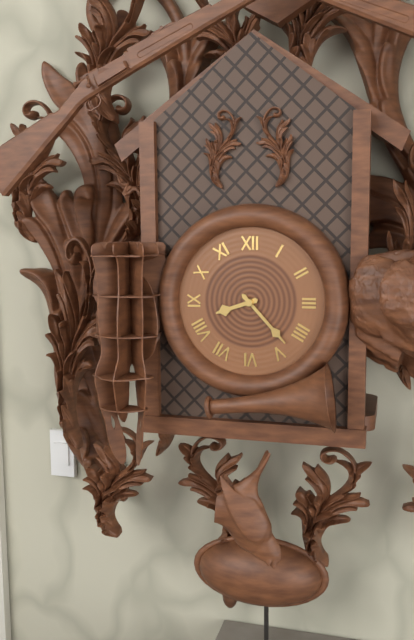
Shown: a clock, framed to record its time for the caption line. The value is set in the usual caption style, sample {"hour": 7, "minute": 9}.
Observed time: {"hour": 8, "minute": 23}
